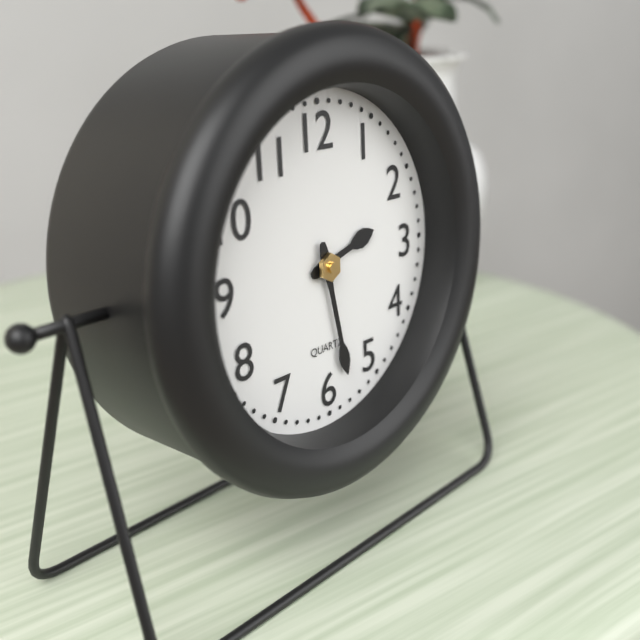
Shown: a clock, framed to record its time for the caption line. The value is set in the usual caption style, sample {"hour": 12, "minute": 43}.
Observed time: {"hour": 2, "minute": 28}
